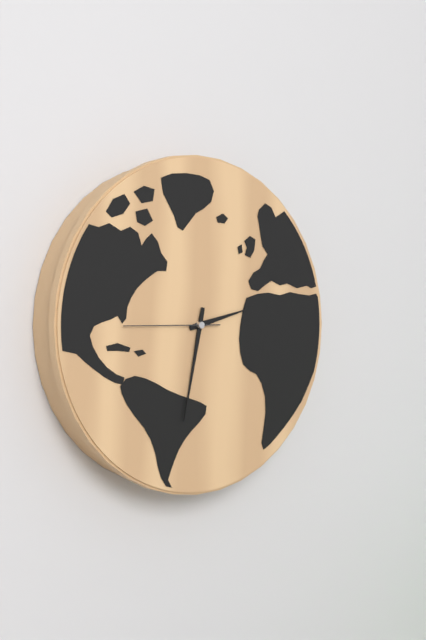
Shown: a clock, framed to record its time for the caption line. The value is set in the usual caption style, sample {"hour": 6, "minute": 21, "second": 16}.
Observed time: {"hour": 2, "minute": 32, "second": 45}
